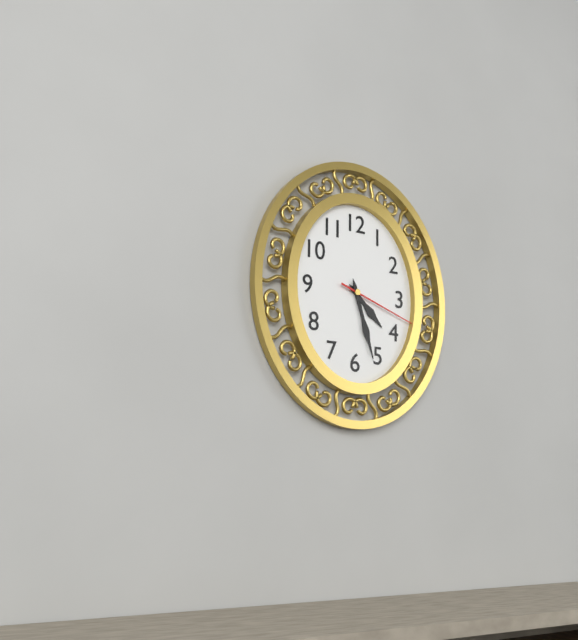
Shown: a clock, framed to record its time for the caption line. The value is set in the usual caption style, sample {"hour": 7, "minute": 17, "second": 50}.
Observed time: {"hour": 4, "minute": 27, "second": 18}
